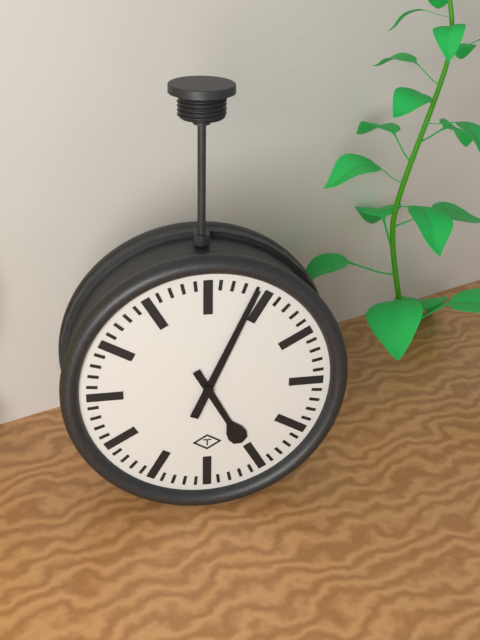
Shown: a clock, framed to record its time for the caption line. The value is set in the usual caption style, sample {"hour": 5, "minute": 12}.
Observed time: {"hour": 5, "minute": 4}
